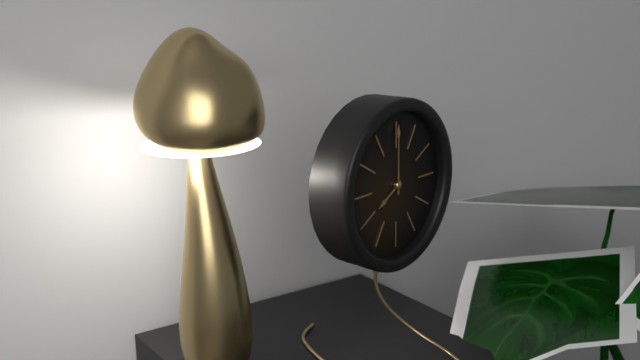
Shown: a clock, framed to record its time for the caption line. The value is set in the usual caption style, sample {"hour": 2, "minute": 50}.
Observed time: {"hour": 8, "minute": 0}
